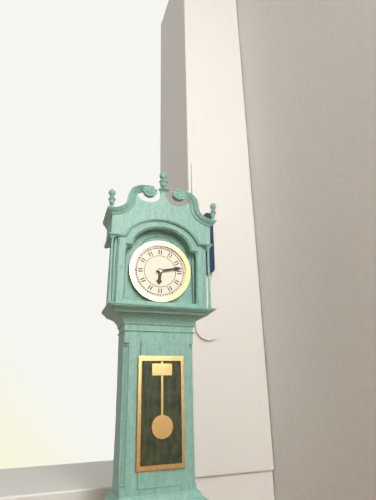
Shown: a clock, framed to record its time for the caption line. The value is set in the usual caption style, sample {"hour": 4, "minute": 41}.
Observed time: {"hour": 6, "minute": 13}
